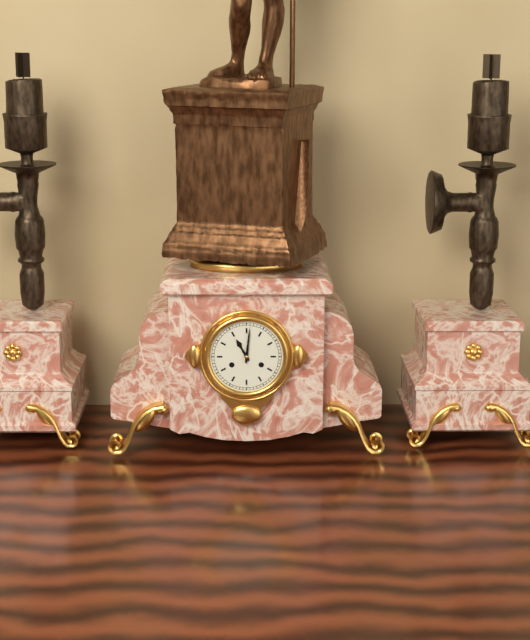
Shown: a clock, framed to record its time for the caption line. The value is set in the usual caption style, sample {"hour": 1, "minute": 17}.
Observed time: {"hour": 11, "minute": 1}
